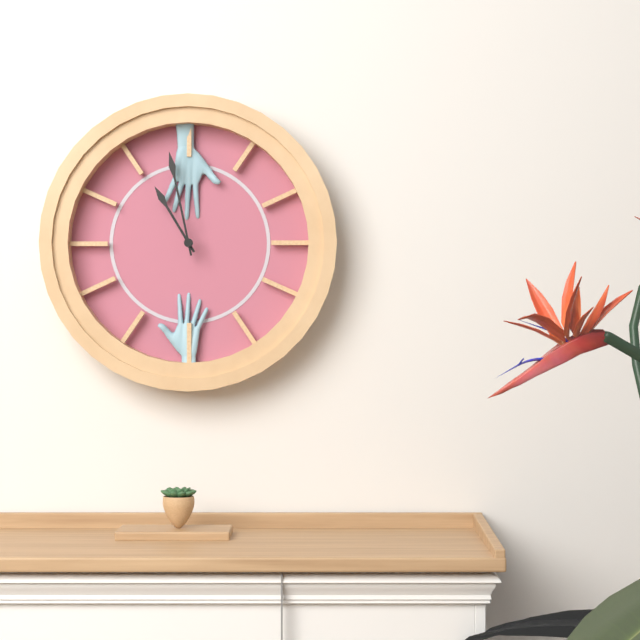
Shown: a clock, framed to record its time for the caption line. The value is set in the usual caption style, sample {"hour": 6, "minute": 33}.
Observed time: {"hour": 10, "minute": 58}
